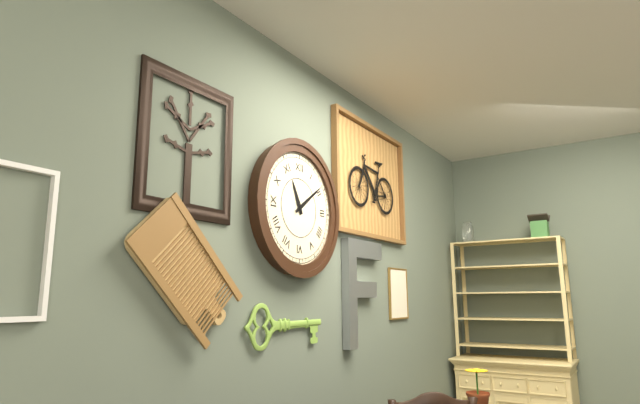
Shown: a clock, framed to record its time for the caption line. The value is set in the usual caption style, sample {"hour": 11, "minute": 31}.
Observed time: {"hour": 11, "minute": 9}
